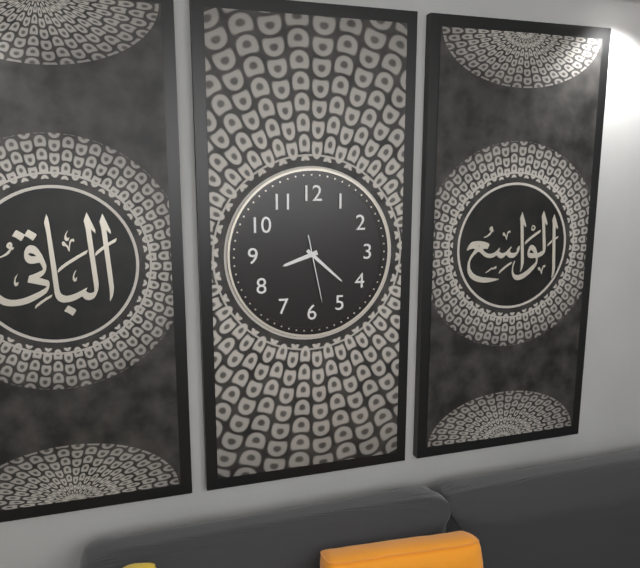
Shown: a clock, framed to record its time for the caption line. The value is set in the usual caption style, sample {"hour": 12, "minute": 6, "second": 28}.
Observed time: {"hour": 8, "minute": 22, "second": 28}
